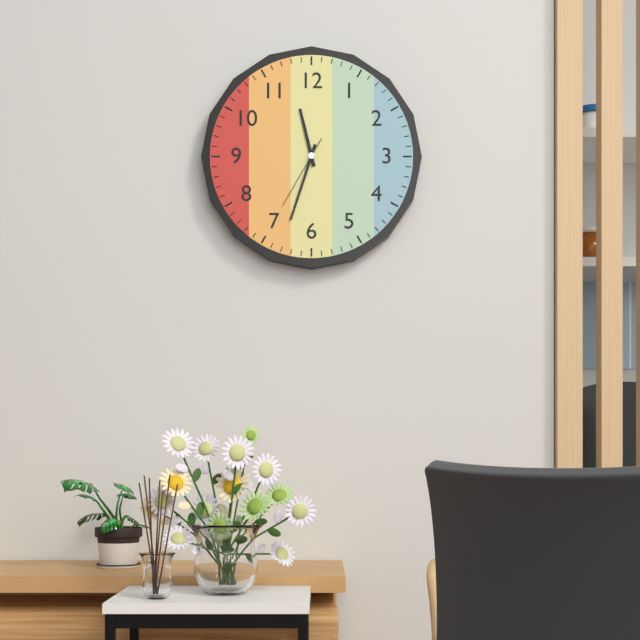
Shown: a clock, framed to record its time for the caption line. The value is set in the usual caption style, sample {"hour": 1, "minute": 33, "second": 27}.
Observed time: {"hour": 11, "minute": 33, "second": 35}
